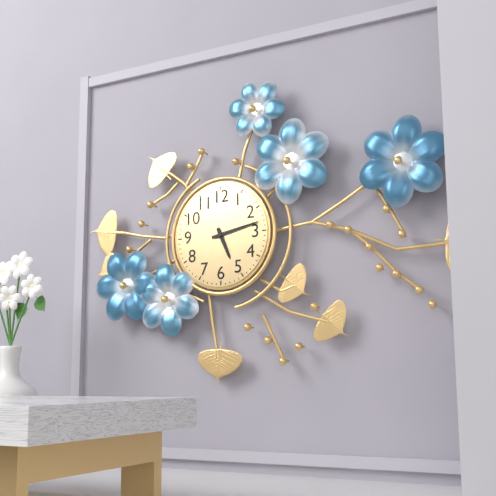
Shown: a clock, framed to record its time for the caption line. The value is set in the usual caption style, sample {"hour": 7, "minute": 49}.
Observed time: {"hour": 5, "minute": 13}
